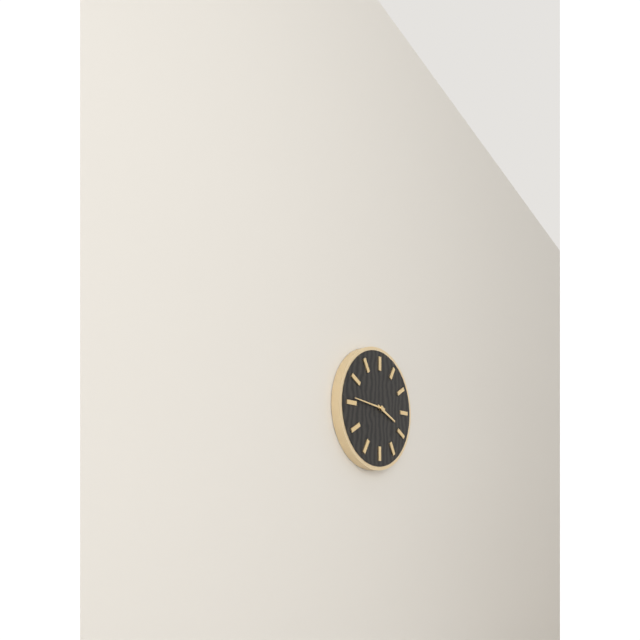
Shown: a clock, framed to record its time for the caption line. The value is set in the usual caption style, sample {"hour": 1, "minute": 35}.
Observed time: {"hour": 3, "minute": 46}
